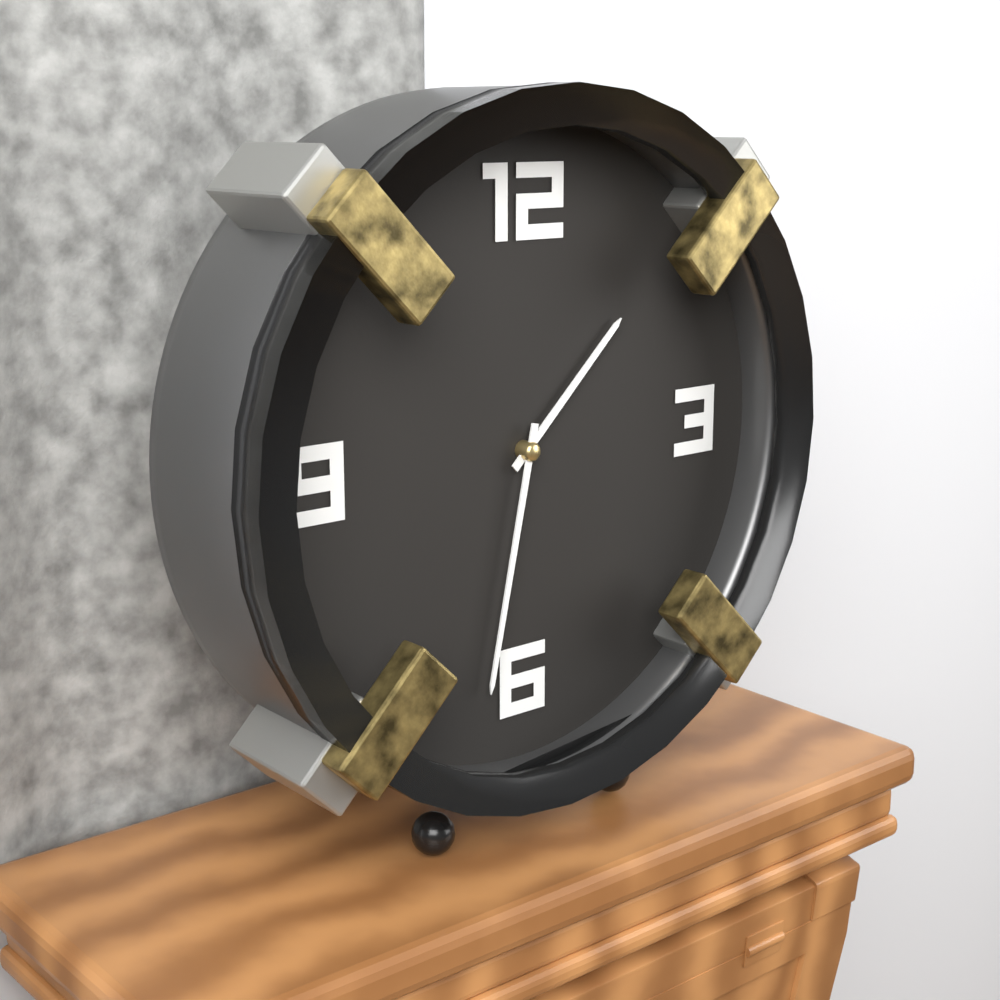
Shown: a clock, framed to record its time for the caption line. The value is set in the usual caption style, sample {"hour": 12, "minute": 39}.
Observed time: {"hour": 1, "minute": 32}
